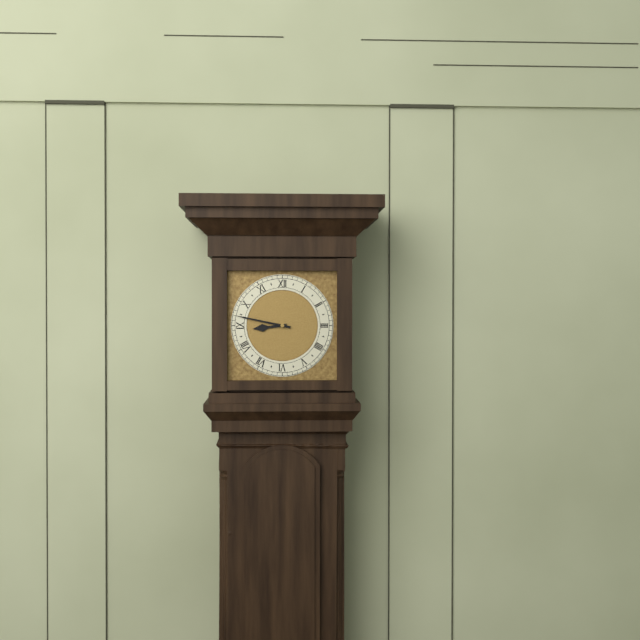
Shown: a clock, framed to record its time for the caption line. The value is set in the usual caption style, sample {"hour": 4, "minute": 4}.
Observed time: {"hour": 8, "minute": 47}
